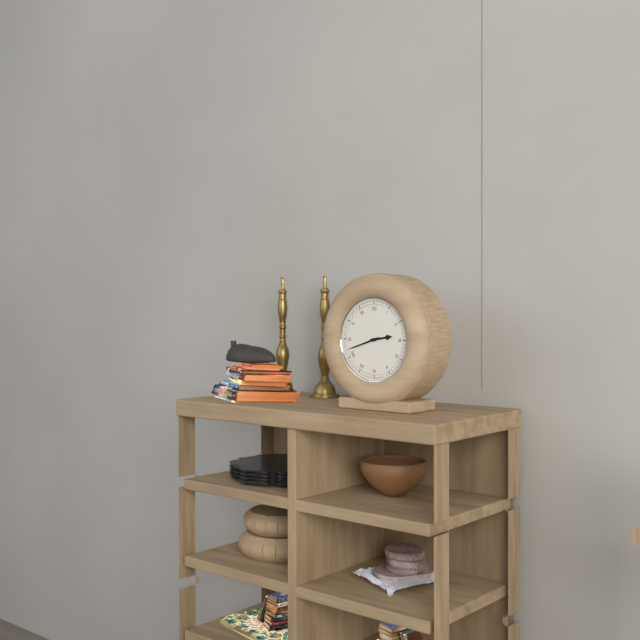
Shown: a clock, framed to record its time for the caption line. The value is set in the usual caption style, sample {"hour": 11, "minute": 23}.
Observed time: {"hour": 2, "minute": 42}
